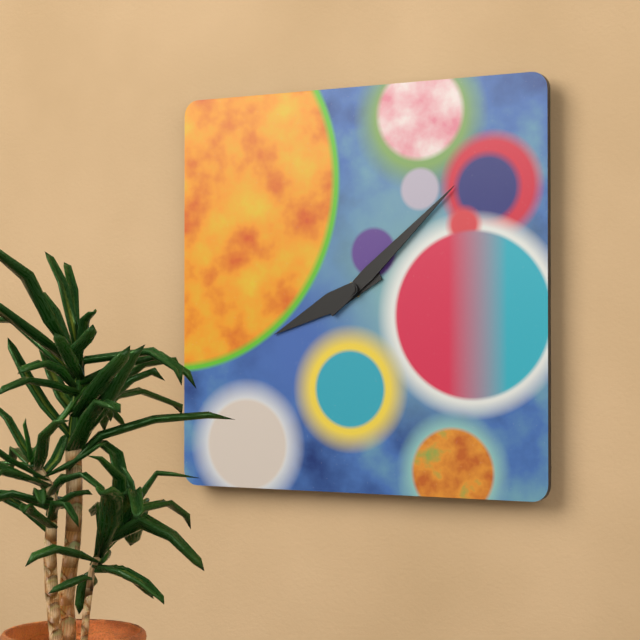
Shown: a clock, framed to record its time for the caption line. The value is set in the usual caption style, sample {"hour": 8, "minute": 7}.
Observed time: {"hour": 8, "minute": 8}
